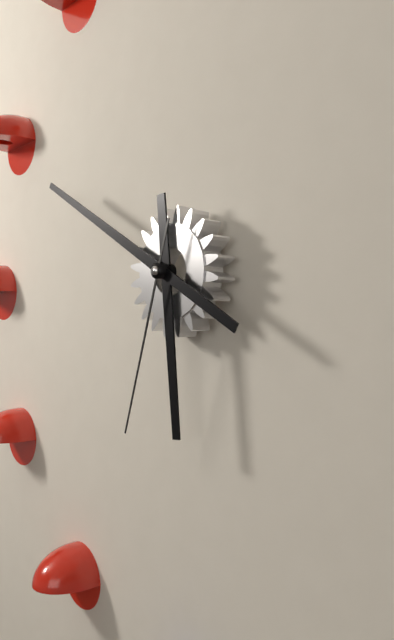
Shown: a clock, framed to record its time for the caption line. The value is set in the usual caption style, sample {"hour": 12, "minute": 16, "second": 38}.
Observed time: {"hour": 5, "minute": 50, "second": 33}
